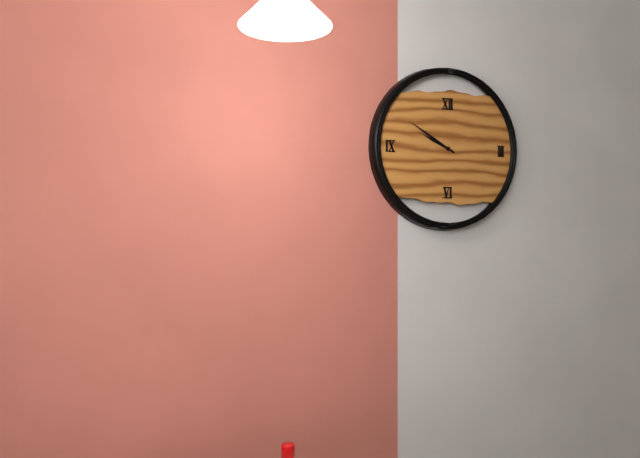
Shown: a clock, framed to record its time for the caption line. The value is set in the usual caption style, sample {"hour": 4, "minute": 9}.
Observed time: {"hour": 9, "minute": 50}
